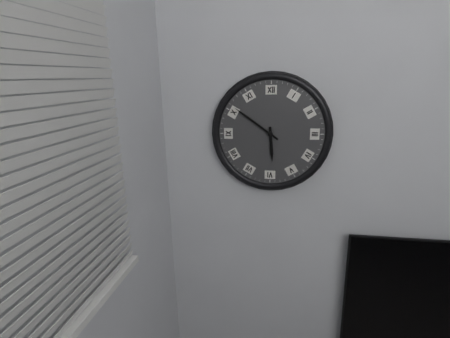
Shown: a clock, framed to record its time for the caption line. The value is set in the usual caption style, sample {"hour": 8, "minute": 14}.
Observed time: {"hour": 5, "minute": 51}
